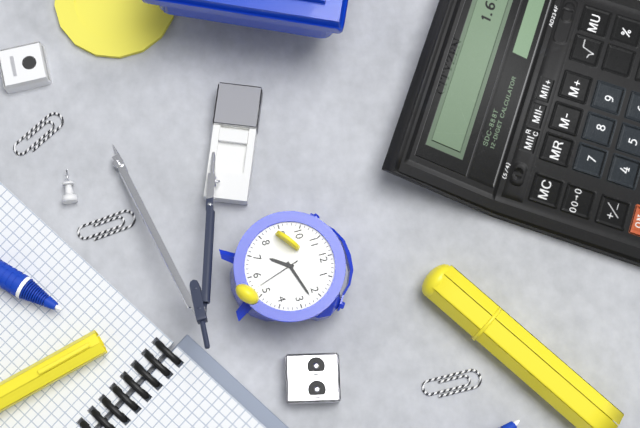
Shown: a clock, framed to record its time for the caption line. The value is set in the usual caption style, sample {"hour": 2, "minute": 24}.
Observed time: {"hour": 7, "minute": 12}
